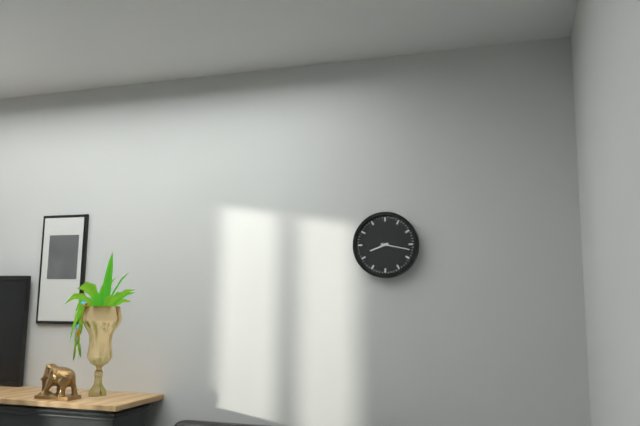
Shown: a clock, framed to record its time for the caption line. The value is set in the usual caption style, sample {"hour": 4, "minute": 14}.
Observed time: {"hour": 8, "minute": 17}
